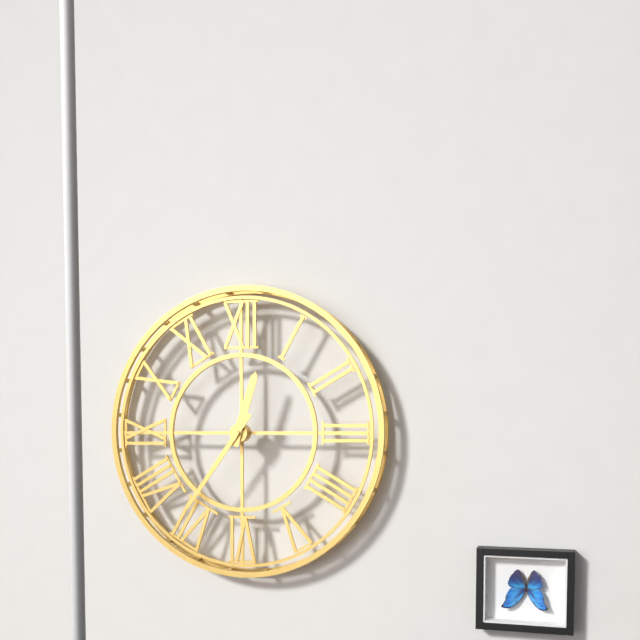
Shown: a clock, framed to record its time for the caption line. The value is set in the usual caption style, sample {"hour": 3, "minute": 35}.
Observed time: {"hour": 12, "minute": 36}
